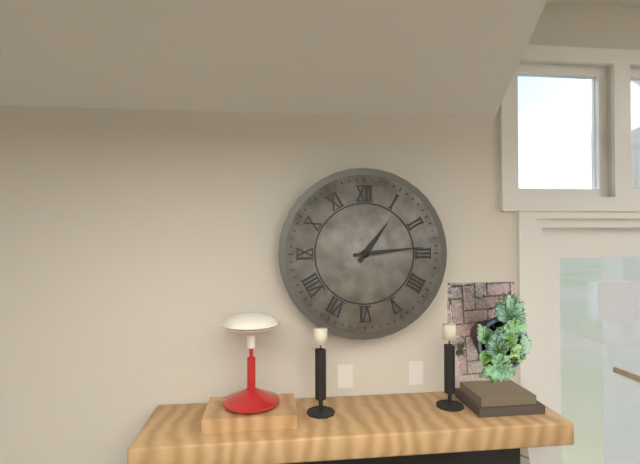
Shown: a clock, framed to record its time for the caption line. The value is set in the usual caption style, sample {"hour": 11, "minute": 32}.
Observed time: {"hour": 1, "minute": 14}
